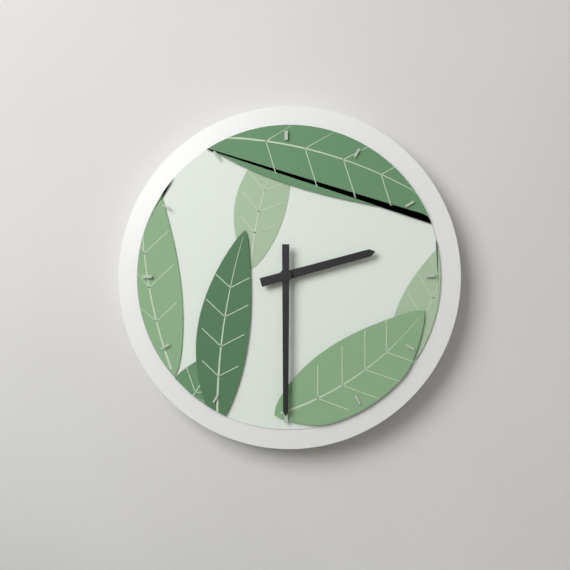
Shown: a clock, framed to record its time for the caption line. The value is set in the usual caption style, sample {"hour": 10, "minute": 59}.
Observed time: {"hour": 2, "minute": 30}
